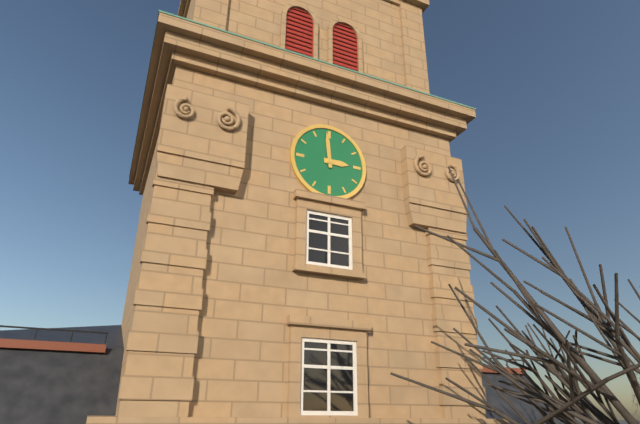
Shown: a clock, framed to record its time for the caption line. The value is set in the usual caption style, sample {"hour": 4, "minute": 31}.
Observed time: {"hour": 2, "minute": 59}
